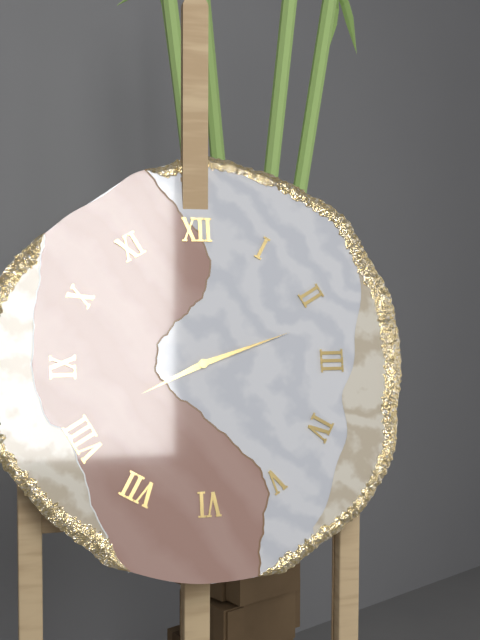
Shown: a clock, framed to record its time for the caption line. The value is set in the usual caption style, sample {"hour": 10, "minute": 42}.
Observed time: {"hour": 8, "minute": 12}
